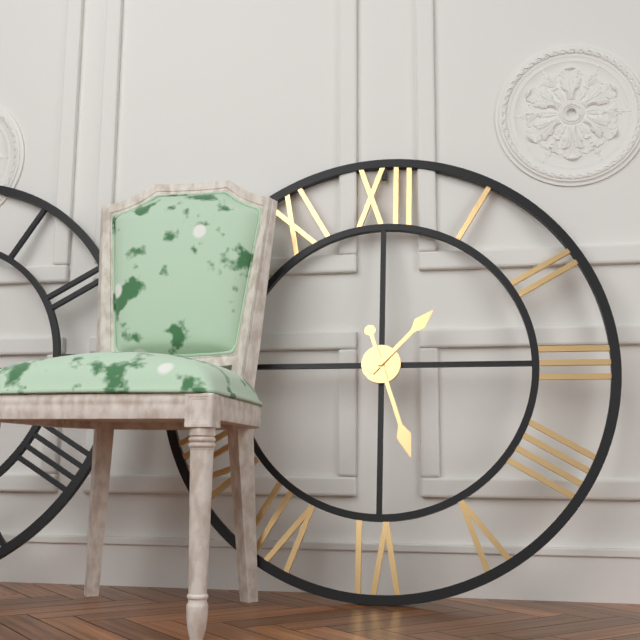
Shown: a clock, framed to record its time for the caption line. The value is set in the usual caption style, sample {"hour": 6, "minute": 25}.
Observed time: {"hour": 1, "minute": 27}
